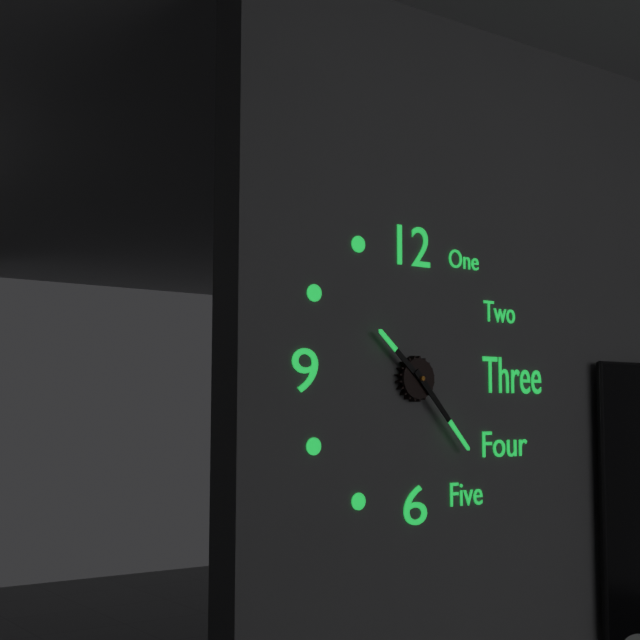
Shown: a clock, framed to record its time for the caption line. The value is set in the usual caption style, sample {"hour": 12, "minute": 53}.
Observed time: {"hour": 10, "minute": 23}
